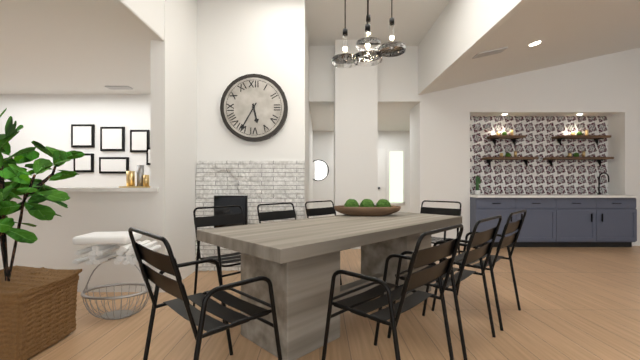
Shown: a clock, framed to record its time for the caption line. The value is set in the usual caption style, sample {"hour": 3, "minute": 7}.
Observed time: {"hour": 5, "minute": 35}
